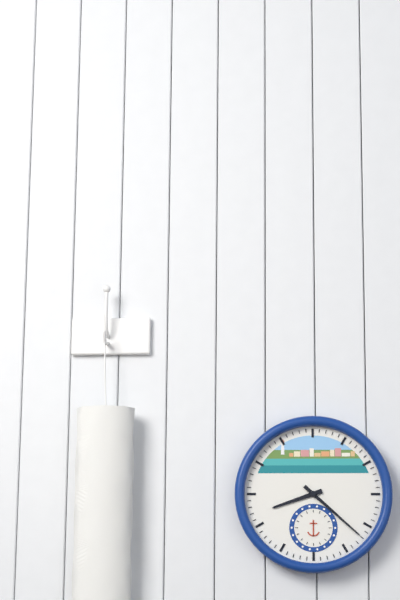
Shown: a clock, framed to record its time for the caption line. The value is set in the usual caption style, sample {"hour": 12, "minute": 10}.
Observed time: {"hour": 8, "minute": 22}
